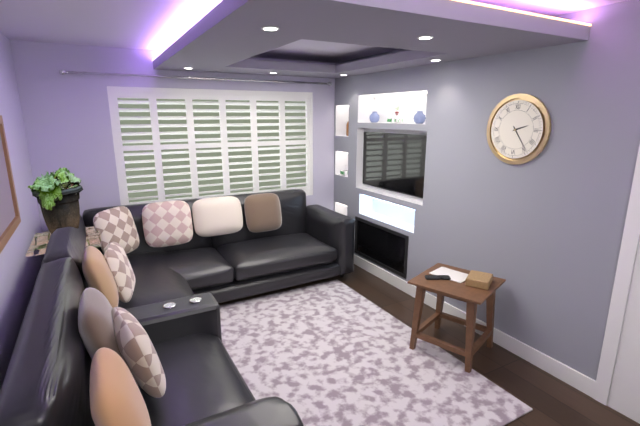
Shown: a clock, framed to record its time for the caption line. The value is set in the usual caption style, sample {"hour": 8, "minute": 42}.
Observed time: {"hour": 2, "minute": 24}
